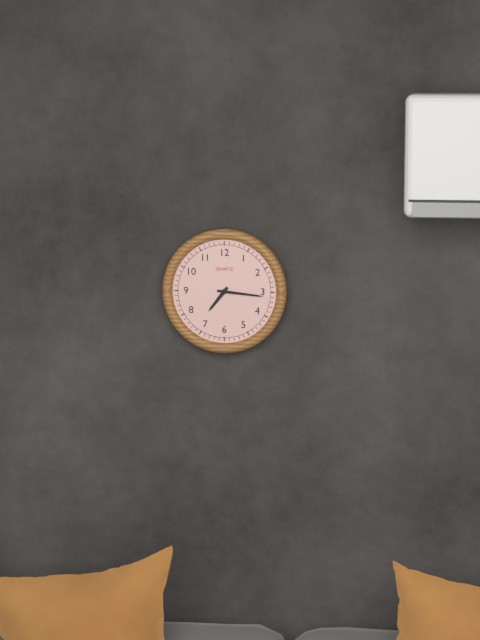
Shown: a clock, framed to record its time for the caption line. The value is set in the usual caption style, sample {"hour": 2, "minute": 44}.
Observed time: {"hour": 7, "minute": 16}
